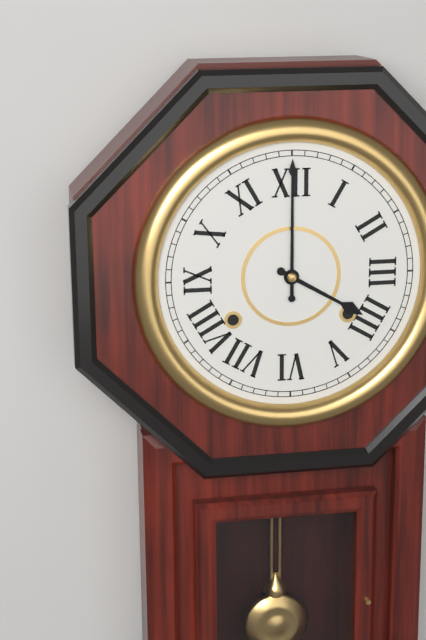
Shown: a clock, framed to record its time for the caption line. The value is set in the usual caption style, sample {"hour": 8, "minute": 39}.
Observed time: {"hour": 4, "minute": 0}
